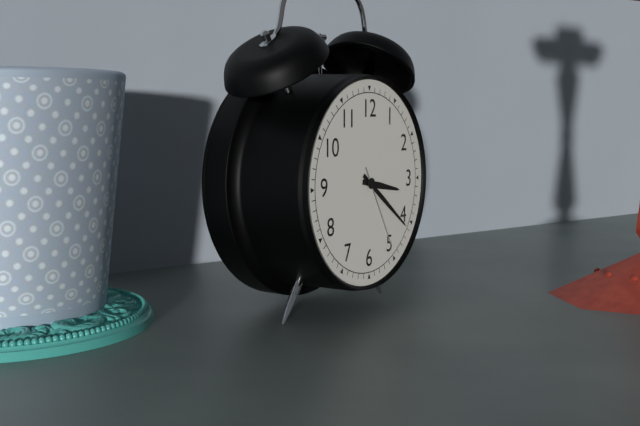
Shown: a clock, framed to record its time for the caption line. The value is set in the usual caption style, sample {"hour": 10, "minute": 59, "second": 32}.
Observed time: {"hour": 3, "minute": 21, "second": 25}
